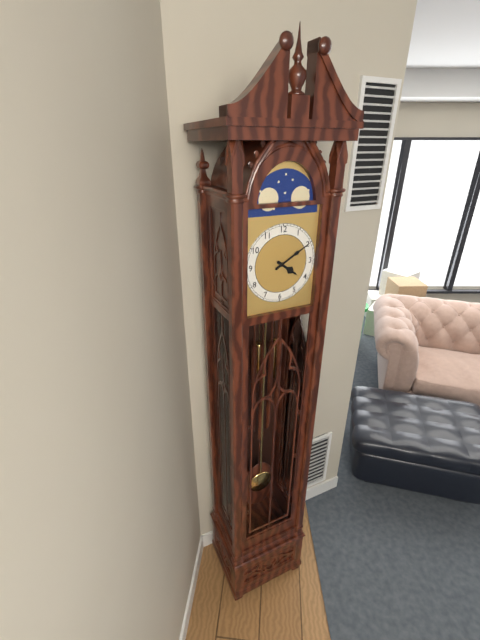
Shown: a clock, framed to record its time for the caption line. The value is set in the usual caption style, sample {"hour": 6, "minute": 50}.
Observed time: {"hour": 4, "minute": 10}
